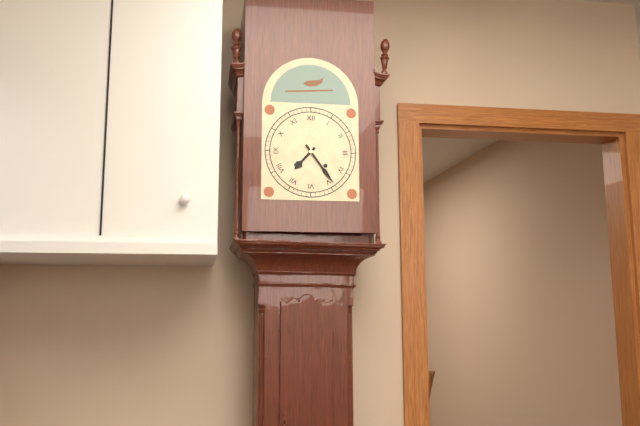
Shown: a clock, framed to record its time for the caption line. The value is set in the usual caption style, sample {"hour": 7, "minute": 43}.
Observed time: {"hour": 7, "minute": 24}
